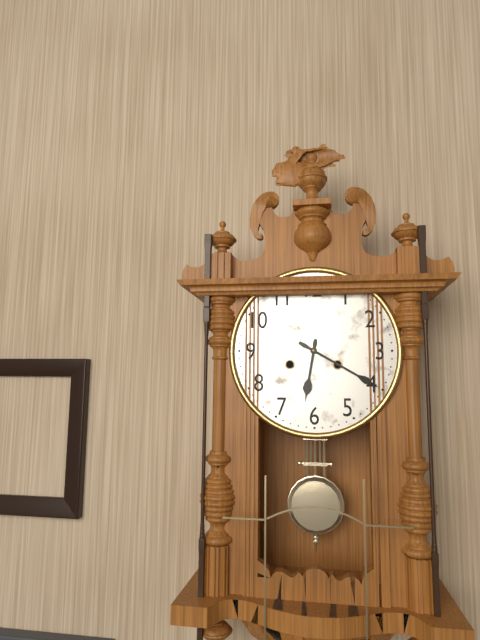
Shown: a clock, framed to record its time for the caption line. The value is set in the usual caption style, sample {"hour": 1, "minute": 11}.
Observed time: {"hour": 6, "minute": 20}
